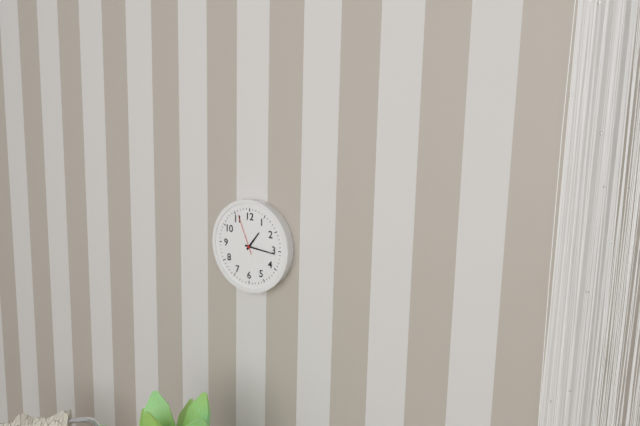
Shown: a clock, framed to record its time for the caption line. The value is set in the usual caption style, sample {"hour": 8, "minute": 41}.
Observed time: {"hour": 1, "minute": 16}
